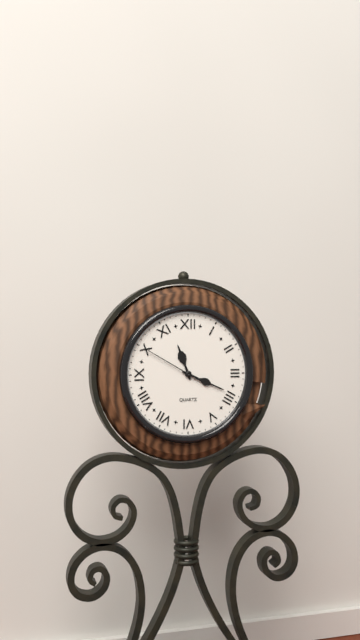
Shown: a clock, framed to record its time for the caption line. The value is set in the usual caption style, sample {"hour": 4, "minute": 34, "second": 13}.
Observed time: {"hour": 11, "minute": 19, "second": 50}
